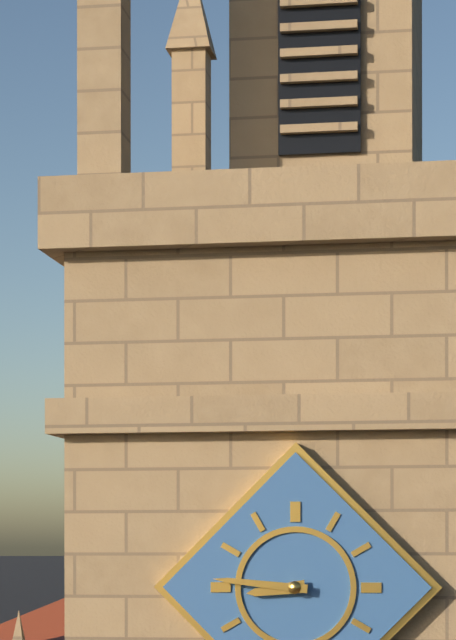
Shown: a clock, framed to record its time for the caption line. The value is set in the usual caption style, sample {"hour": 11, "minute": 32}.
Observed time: {"hour": 8, "minute": 46}
